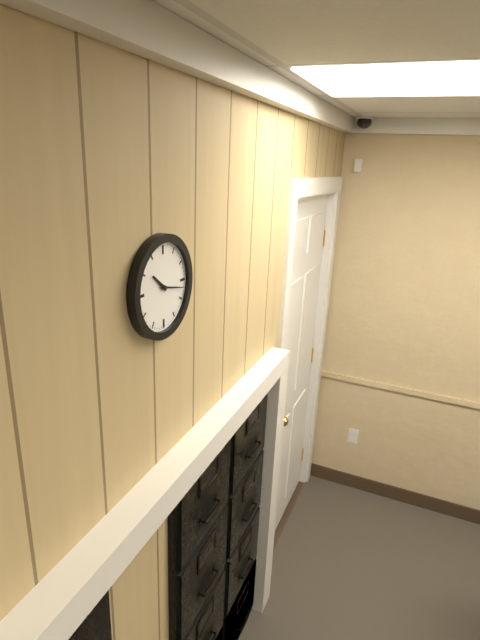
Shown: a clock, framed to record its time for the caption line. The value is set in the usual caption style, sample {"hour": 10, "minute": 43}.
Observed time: {"hour": 10, "minute": 17}
